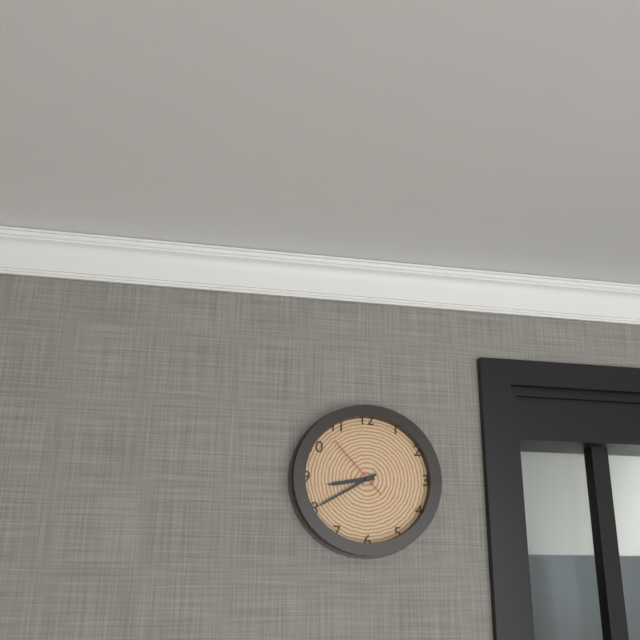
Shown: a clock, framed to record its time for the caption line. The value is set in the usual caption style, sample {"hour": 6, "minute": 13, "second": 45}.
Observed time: {"hour": 8, "minute": 40, "second": 53}
